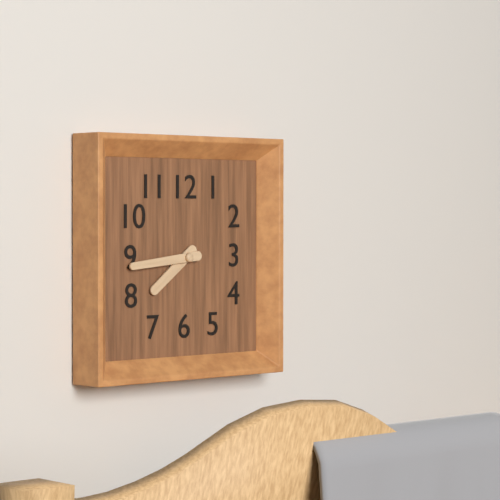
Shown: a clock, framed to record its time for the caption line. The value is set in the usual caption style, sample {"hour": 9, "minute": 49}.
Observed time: {"hour": 7, "minute": 44}
